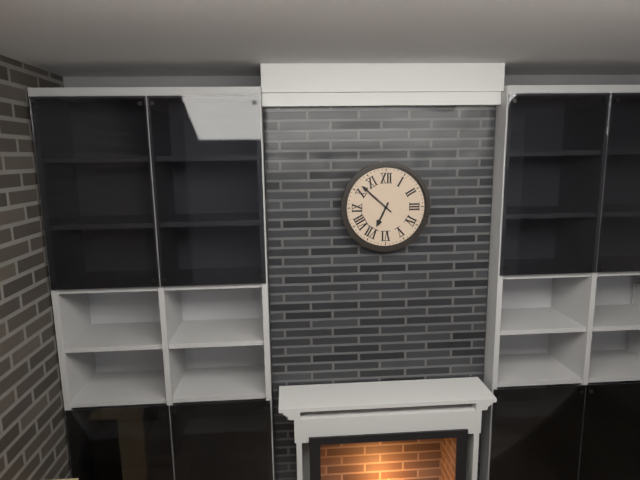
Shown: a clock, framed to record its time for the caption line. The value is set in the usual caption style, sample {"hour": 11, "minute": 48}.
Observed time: {"hour": 6, "minute": 52}
